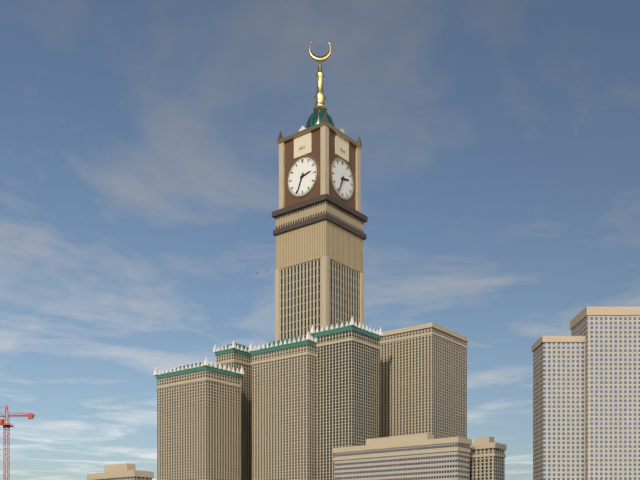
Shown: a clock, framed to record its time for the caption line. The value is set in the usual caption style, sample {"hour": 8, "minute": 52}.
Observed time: {"hour": 2, "minute": 34}
